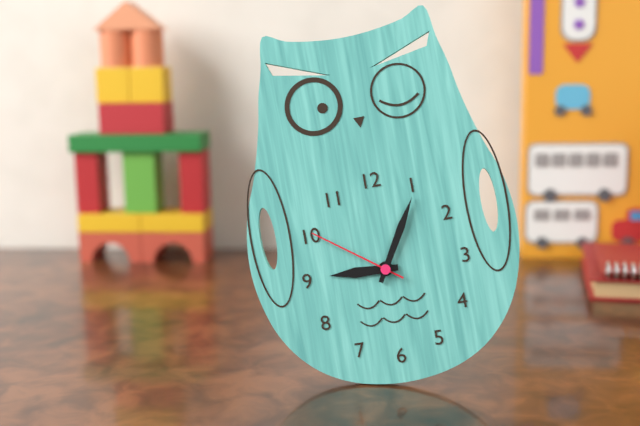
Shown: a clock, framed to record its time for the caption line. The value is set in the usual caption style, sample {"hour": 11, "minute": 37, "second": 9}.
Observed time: {"hour": 9, "minute": 5, "second": 51}
